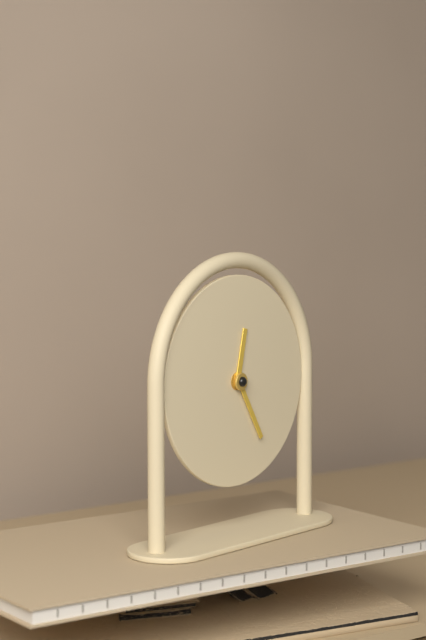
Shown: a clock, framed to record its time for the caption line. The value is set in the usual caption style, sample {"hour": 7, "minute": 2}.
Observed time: {"hour": 12, "minute": 25}
